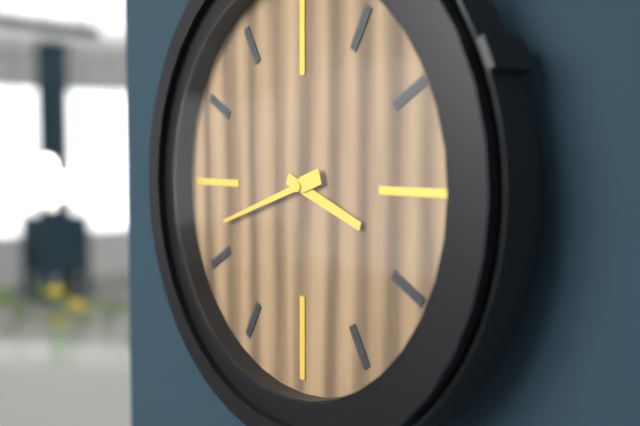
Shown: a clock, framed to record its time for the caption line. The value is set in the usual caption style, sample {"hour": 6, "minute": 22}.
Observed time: {"hour": 3, "minute": 42}
